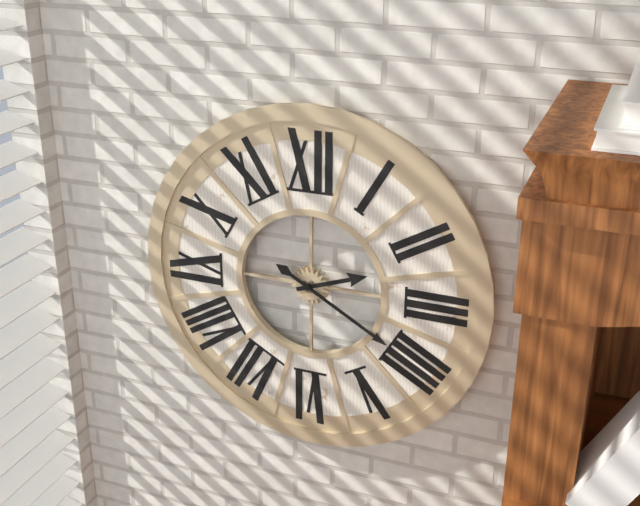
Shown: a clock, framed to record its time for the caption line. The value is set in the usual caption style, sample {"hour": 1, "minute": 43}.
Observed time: {"hour": 2, "minute": 20}
